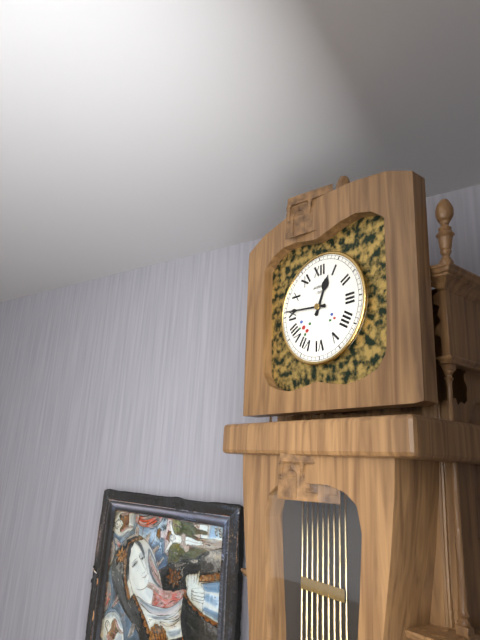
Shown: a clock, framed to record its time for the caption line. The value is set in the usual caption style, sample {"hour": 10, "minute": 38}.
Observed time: {"hour": 12, "minute": 46}
